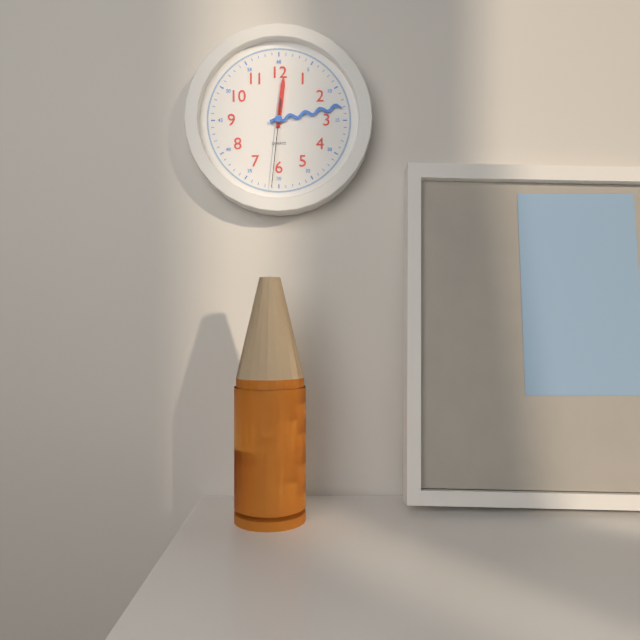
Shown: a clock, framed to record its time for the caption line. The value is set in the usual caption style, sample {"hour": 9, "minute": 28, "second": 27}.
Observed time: {"hour": 12, "minute": 13, "second": 31}
